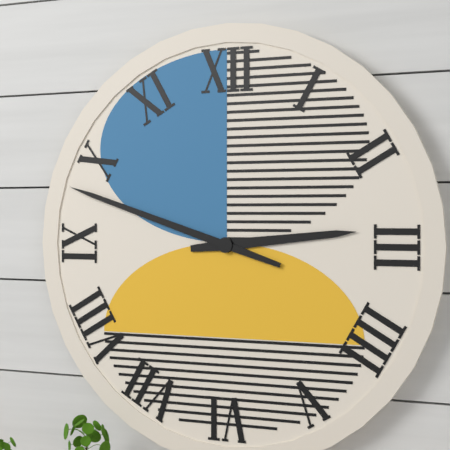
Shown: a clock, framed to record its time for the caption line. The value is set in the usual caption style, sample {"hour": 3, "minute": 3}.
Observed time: {"hour": 2, "minute": 48}
